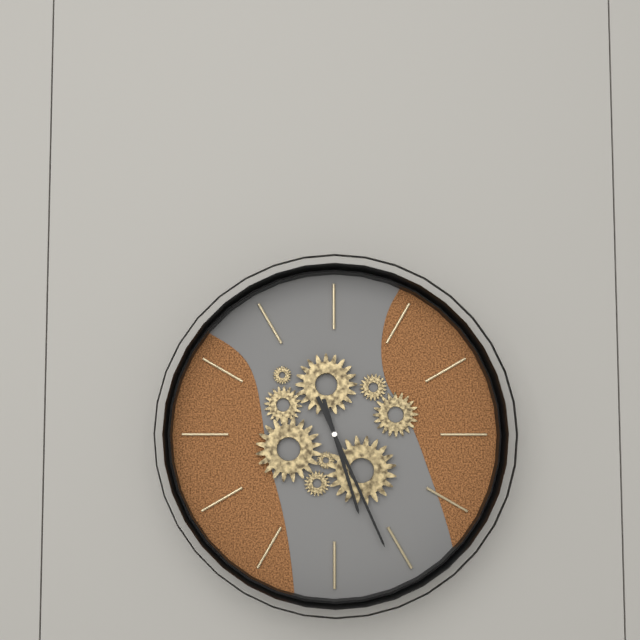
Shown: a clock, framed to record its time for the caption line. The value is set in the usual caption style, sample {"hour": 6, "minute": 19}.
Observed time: {"hour": 5, "minute": 26}
